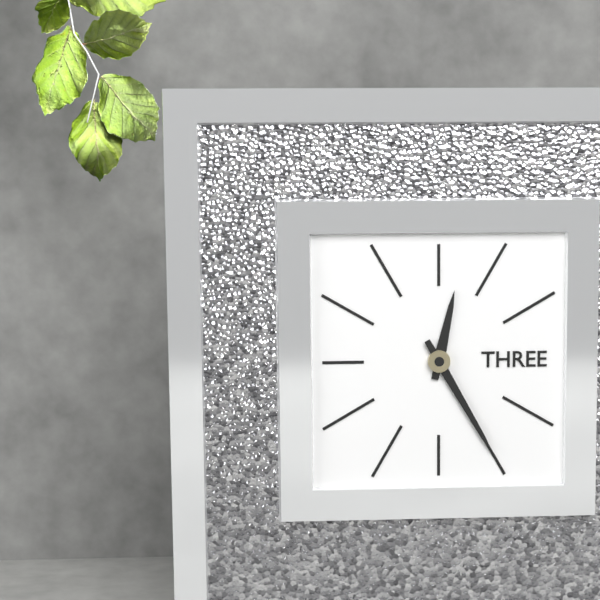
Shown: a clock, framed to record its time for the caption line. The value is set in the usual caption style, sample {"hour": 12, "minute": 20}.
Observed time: {"hour": 12, "minute": 25}
